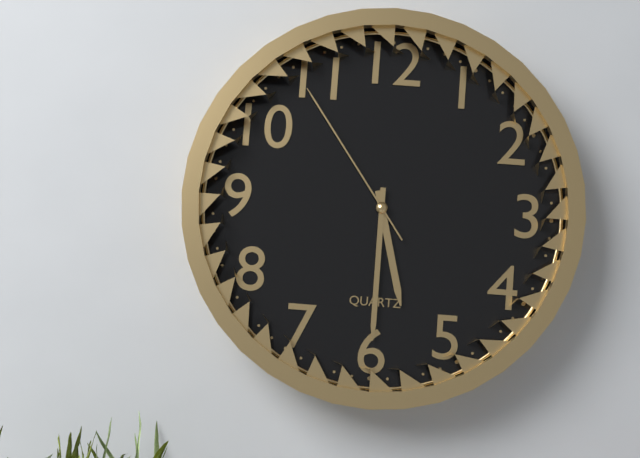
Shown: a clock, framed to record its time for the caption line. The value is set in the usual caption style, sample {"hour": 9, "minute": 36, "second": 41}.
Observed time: {"hour": 5, "minute": 30, "second": 54}
